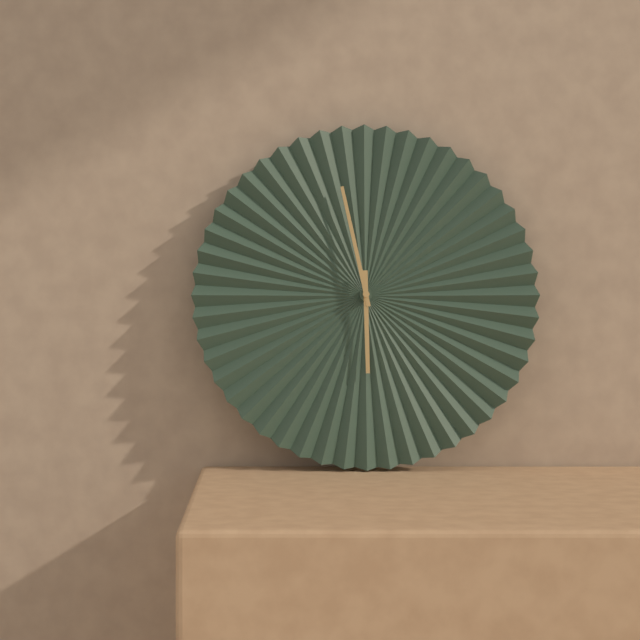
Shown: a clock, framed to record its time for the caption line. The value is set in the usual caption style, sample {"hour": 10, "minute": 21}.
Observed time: {"hour": 5, "minute": 58}
